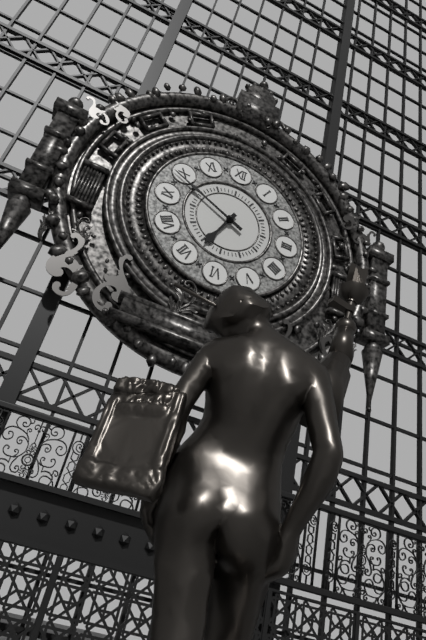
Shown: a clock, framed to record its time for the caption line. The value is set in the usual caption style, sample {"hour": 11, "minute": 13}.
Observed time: {"hour": 6, "minute": 49}
